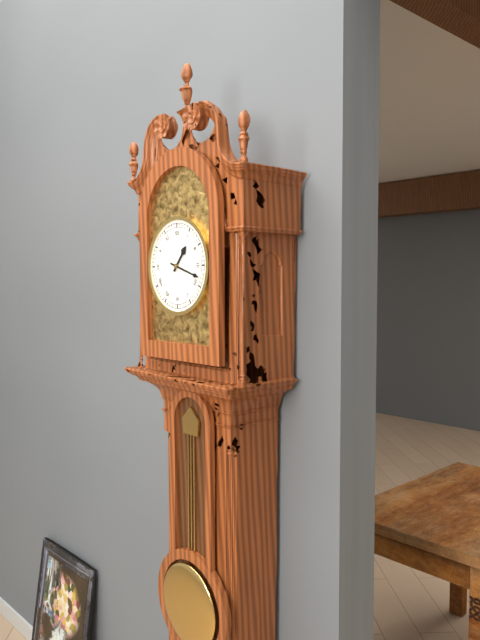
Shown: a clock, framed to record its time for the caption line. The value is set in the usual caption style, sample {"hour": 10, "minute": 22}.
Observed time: {"hour": 1, "minute": 18}
